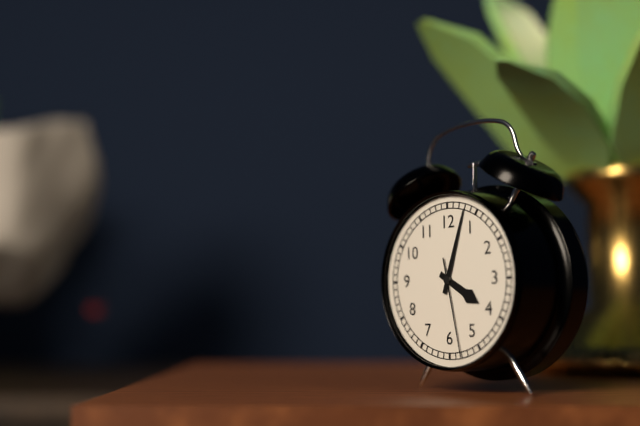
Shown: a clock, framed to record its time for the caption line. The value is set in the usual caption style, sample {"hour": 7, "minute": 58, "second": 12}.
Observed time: {"hour": 4, "minute": 3, "second": 28}
